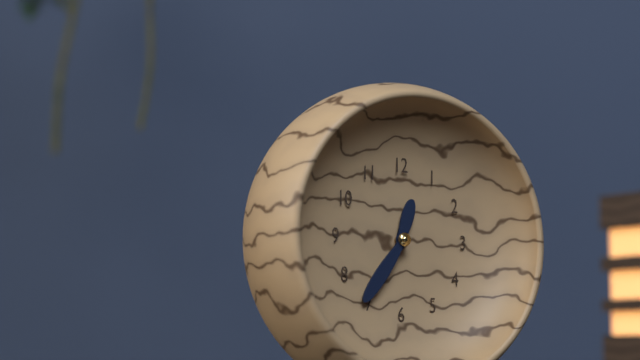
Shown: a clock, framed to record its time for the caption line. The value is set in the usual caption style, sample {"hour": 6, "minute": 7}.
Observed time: {"hour": 12, "minute": 36}
